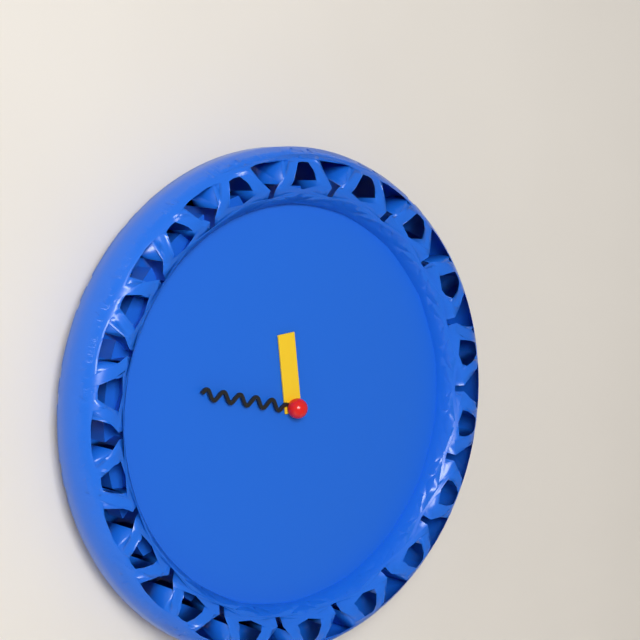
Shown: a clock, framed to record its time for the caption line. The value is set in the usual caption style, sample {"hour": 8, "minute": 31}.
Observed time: {"hour": 11, "minute": 47}
